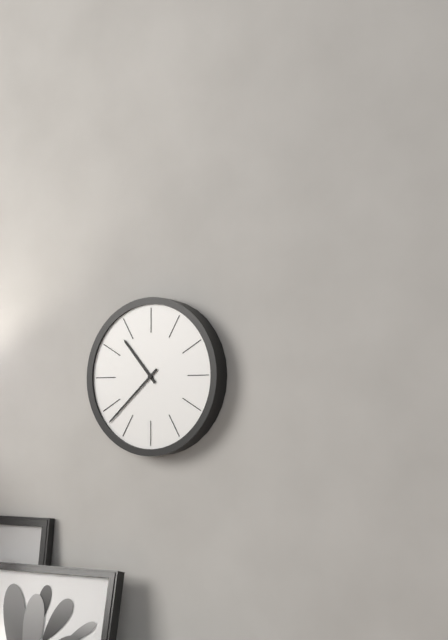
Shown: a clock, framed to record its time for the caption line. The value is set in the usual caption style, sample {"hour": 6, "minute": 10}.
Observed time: {"hour": 10, "minute": 38}
